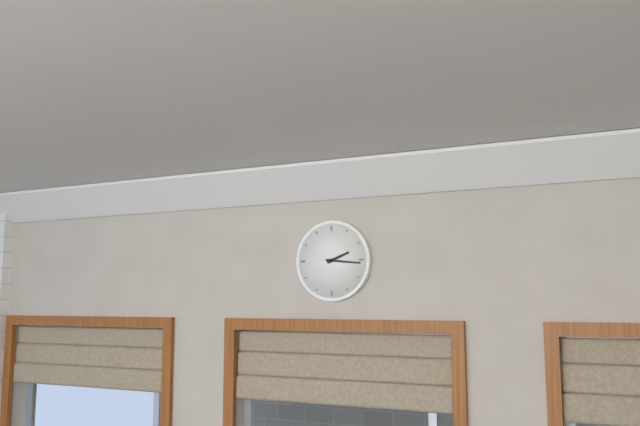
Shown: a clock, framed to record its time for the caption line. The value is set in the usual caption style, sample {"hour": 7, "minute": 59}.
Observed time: {"hour": 2, "minute": 16}
